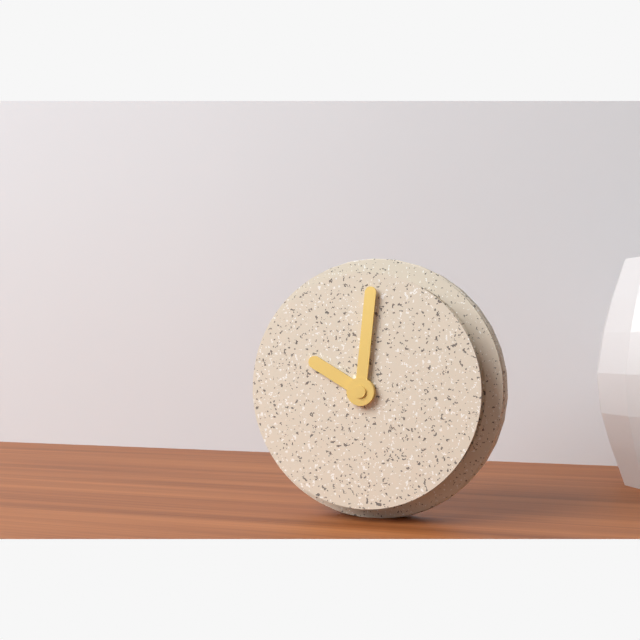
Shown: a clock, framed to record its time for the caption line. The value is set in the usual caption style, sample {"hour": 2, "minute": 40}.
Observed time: {"hour": 10, "minute": 1}
